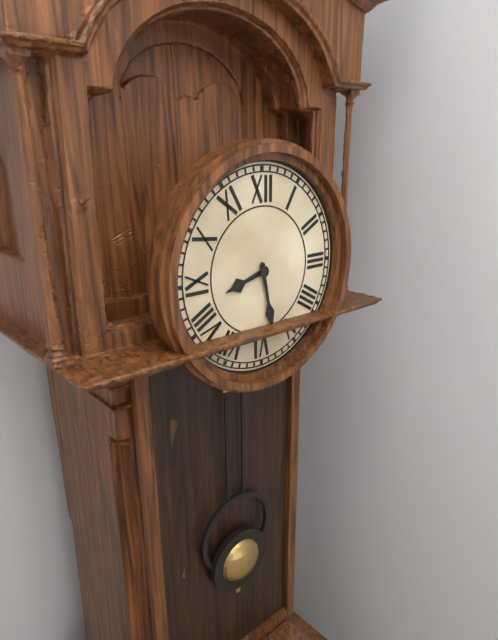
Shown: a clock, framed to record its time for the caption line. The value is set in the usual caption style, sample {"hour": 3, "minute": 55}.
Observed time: {"hour": 8, "minute": 28}
